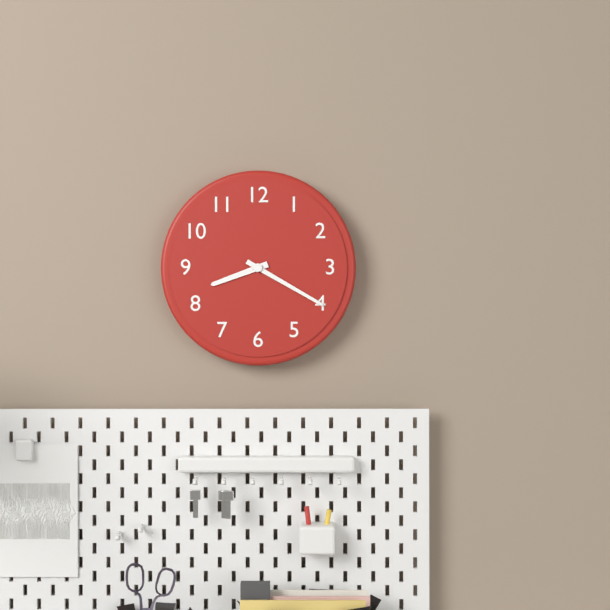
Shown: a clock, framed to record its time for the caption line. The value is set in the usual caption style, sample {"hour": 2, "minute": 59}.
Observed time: {"hour": 8, "minute": 20}
